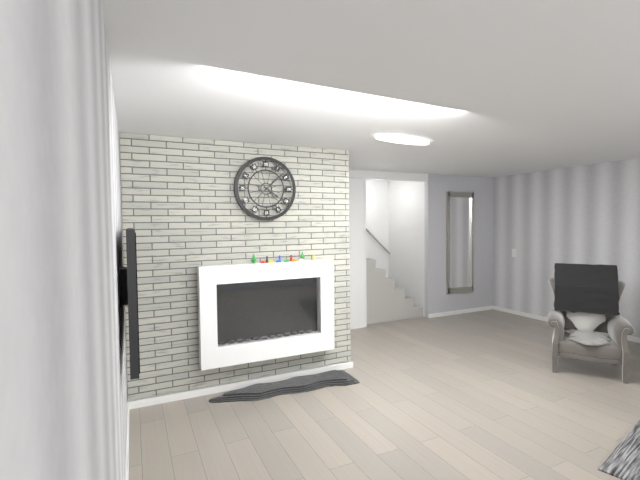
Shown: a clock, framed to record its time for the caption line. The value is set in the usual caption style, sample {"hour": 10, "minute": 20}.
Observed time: {"hour": 4, "minute": 8}
